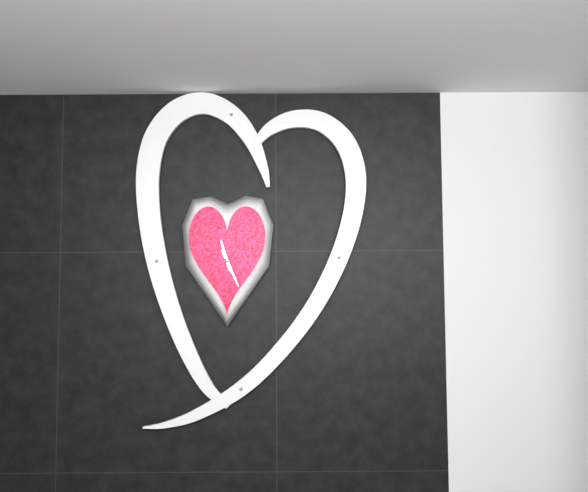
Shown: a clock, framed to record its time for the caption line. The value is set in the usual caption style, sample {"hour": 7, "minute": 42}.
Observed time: {"hour": 11, "minute": 26}
